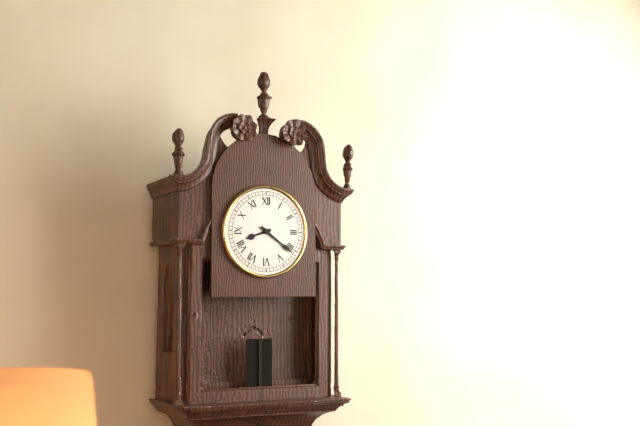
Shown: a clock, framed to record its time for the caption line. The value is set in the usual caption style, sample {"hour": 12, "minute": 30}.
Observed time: {"hour": 8, "minute": 21}
